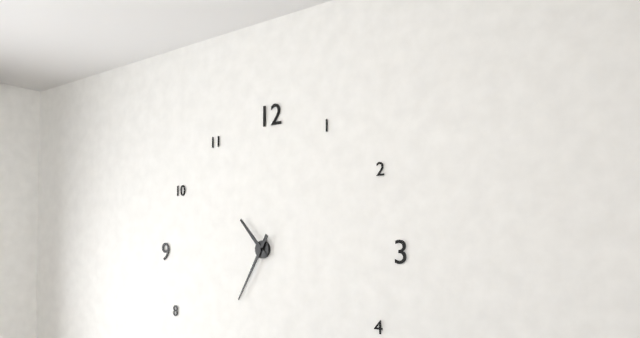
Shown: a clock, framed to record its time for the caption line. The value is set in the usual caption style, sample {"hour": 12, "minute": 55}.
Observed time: {"hour": 10, "minute": 35}
